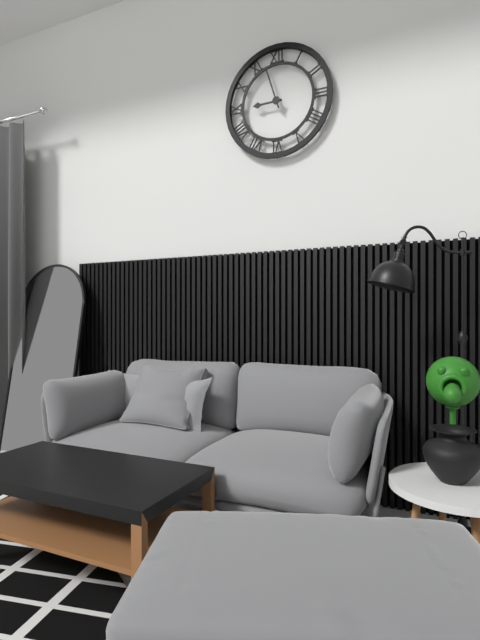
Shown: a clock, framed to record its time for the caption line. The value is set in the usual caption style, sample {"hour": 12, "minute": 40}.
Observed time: {"hour": 8, "minute": 57}
